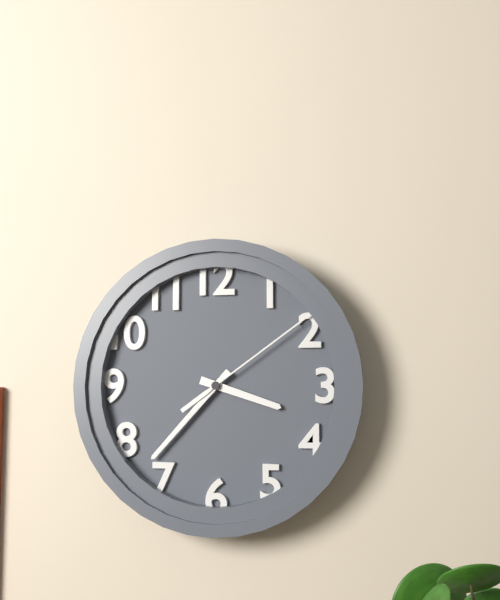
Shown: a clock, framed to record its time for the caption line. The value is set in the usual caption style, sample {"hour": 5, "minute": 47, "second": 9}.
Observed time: {"hour": 3, "minute": 37, "second": 9}
